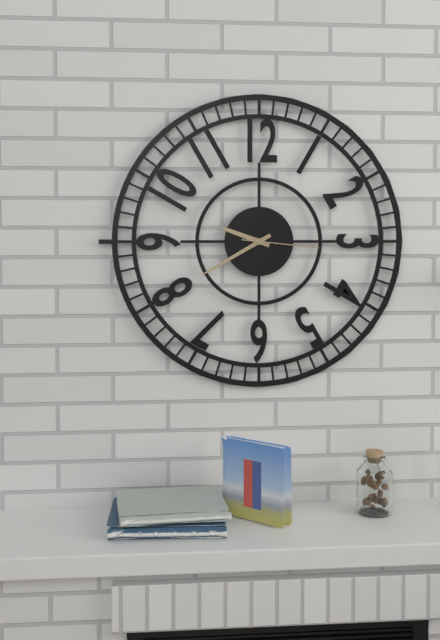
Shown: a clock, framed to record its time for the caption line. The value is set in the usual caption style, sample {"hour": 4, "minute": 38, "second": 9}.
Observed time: {"hour": 9, "minute": 40, "second": 16}
